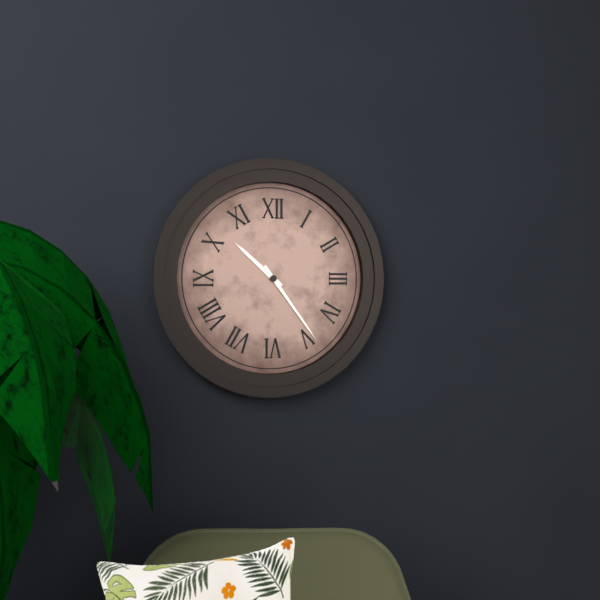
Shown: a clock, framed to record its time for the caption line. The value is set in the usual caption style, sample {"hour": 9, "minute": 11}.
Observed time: {"hour": 10, "minute": 24}
